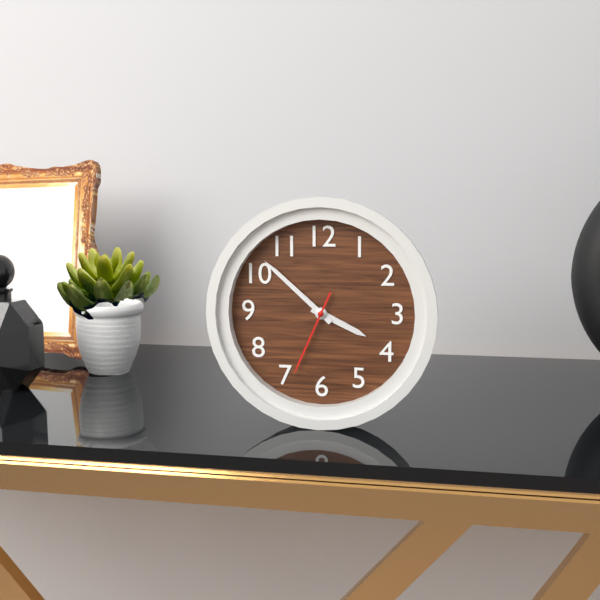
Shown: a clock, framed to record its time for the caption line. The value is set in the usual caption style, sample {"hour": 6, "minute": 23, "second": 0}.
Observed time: {"hour": 3, "minute": 52, "second": 34}
